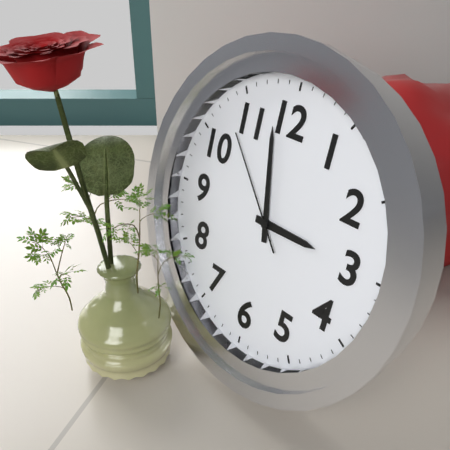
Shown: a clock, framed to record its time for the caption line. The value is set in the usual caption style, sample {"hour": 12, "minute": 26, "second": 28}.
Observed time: {"hour": 2, "minute": 58, "second": 53}
